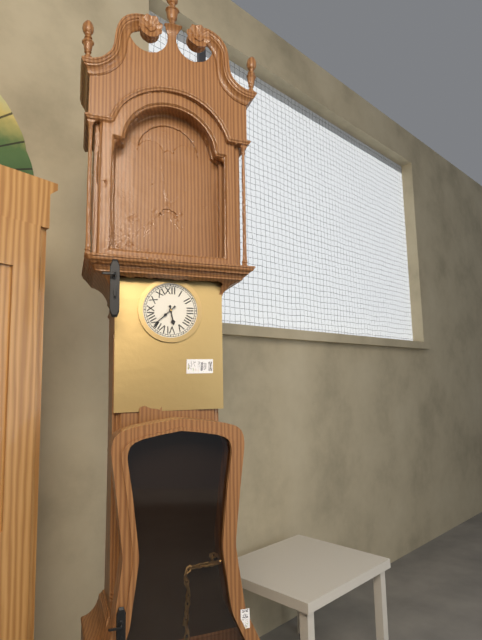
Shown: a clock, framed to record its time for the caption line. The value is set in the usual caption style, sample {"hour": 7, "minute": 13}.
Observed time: {"hour": 5, "minute": 38}
